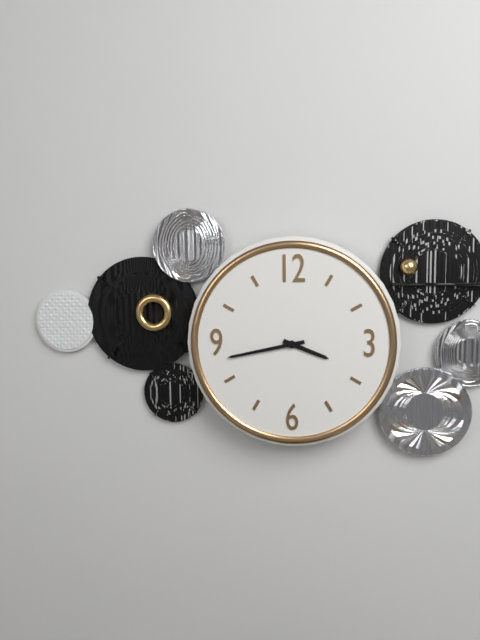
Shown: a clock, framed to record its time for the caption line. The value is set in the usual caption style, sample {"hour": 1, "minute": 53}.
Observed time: {"hour": 3, "minute": 43}
